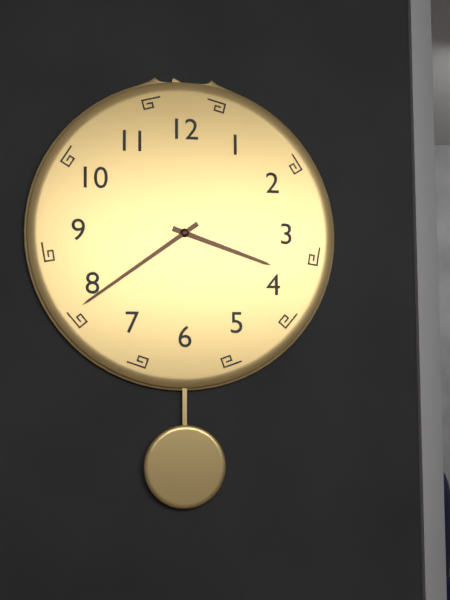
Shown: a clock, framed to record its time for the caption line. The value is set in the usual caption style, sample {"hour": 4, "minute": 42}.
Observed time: {"hour": 3, "minute": 39}
